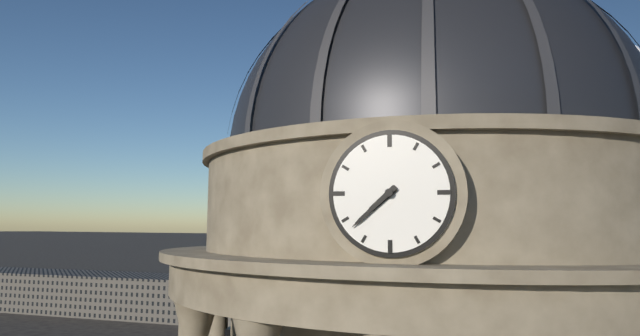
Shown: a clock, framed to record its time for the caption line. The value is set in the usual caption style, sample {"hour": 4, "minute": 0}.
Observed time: {"hour": 7, "minute": 38}
